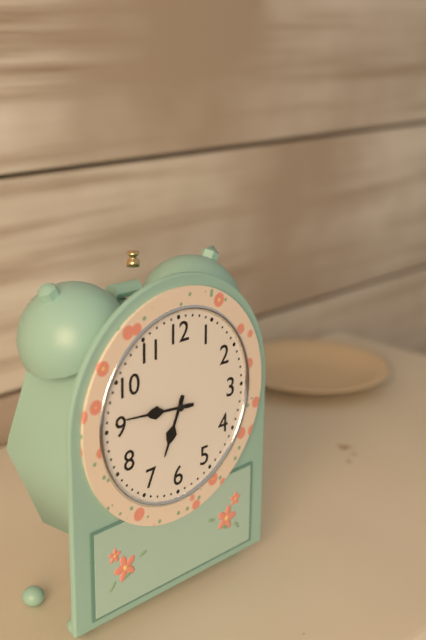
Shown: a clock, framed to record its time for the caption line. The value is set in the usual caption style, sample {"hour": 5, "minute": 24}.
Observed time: {"hour": 6, "minute": 46}
